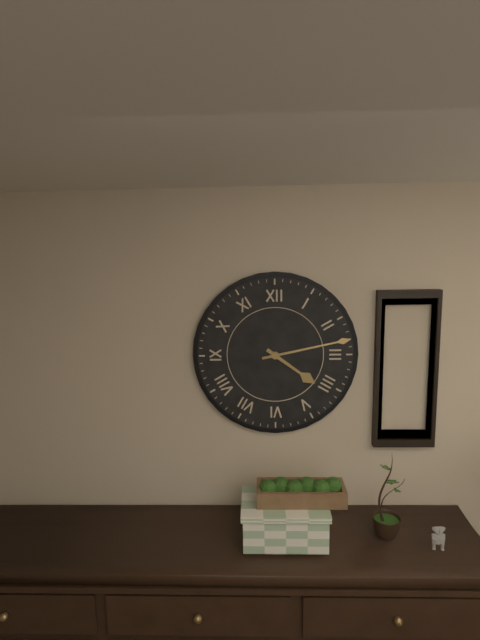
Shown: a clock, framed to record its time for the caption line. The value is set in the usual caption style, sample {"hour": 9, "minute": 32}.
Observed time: {"hour": 4, "minute": 13}
